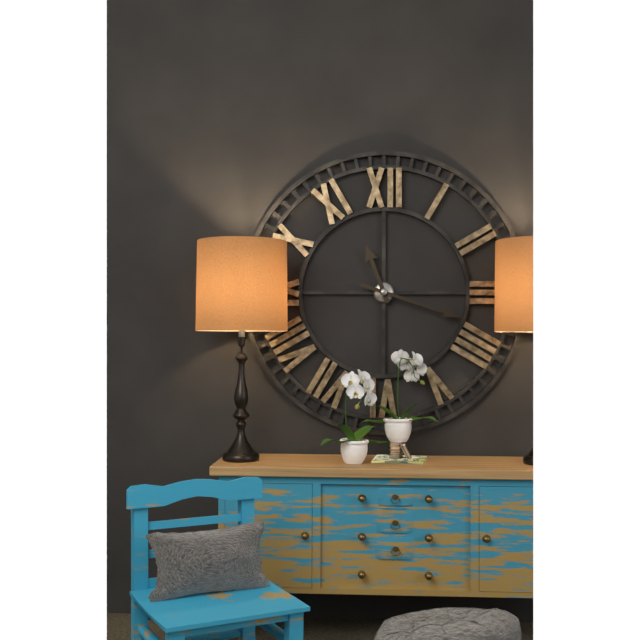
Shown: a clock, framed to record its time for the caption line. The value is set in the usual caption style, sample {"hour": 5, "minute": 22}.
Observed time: {"hour": 11, "minute": 18}
